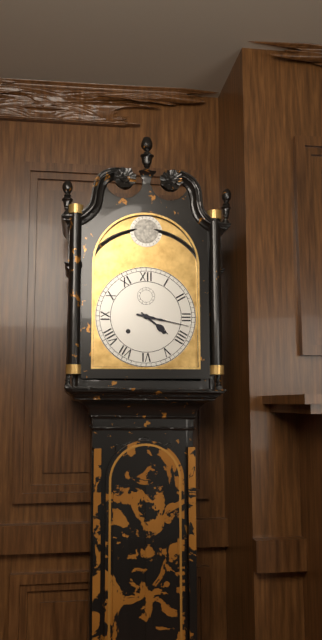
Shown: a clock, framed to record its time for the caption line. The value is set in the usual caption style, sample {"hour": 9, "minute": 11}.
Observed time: {"hour": 4, "minute": 17}
